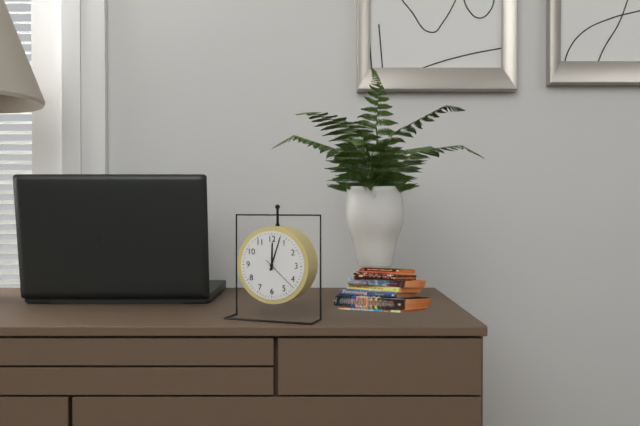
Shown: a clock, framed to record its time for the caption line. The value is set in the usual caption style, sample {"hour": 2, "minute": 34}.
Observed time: {"hour": 12, "minute": 3}
